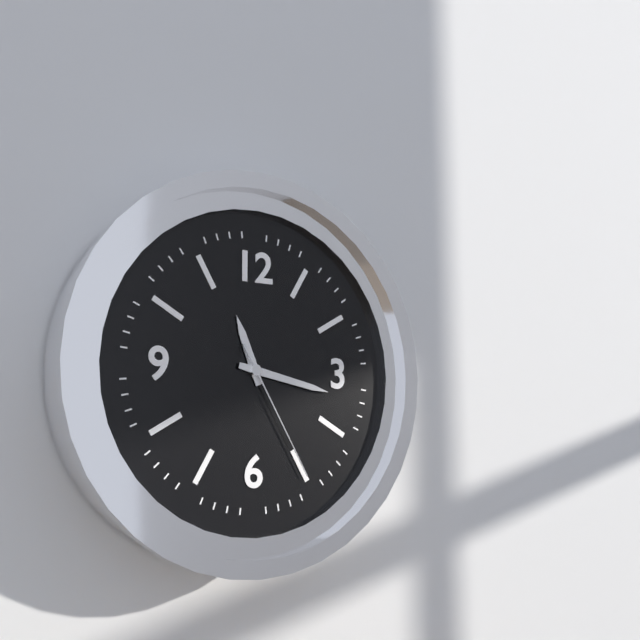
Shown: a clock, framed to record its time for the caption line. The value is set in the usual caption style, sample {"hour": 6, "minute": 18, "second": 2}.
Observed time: {"hour": 11, "minute": 17, "second": 25}
